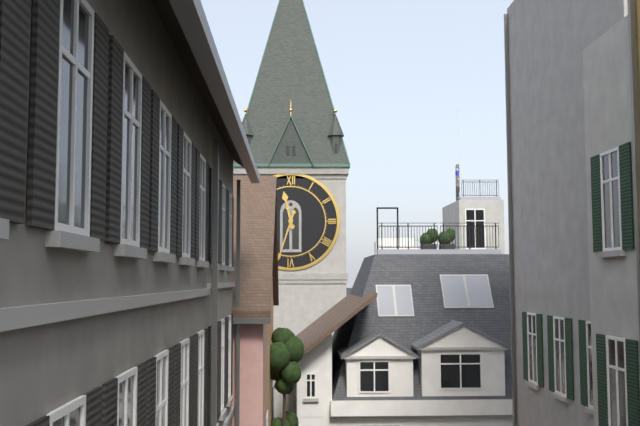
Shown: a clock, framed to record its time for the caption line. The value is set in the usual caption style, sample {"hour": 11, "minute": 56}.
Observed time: {"hour": 11, "minute": 33}
